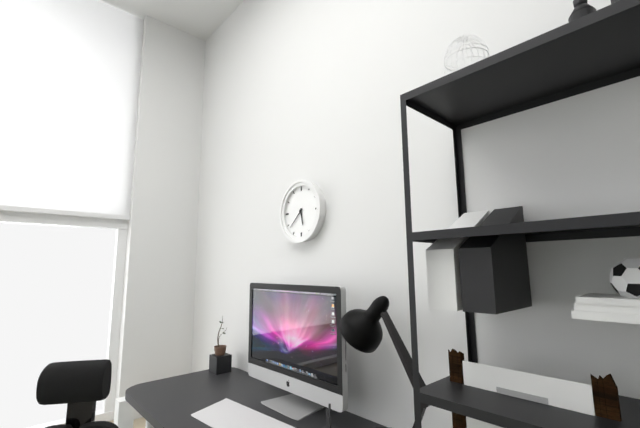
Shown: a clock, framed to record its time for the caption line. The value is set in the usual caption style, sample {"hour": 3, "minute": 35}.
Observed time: {"hour": 5, "minute": 38}
